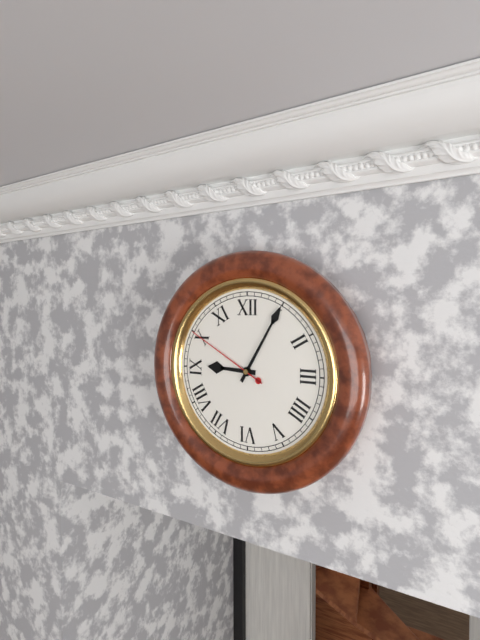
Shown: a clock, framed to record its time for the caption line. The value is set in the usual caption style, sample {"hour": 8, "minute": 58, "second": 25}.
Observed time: {"hour": 9, "minute": 5, "second": 50}
